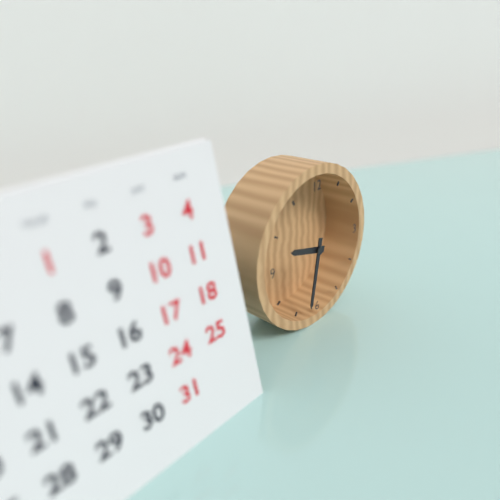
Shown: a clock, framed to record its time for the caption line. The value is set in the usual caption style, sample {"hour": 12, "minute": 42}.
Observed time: {"hour": 9, "minute": 32}
